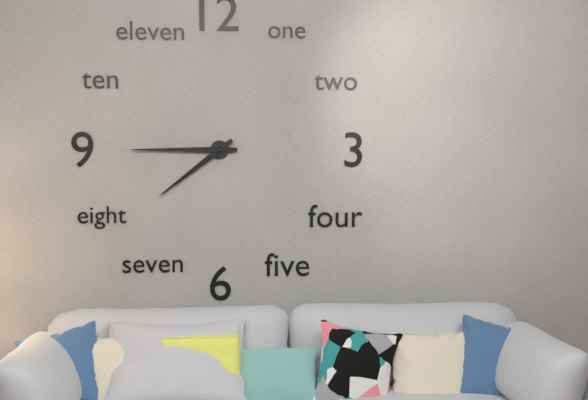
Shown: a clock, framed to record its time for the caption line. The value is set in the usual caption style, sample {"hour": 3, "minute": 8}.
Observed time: {"hour": 7, "minute": 45}
